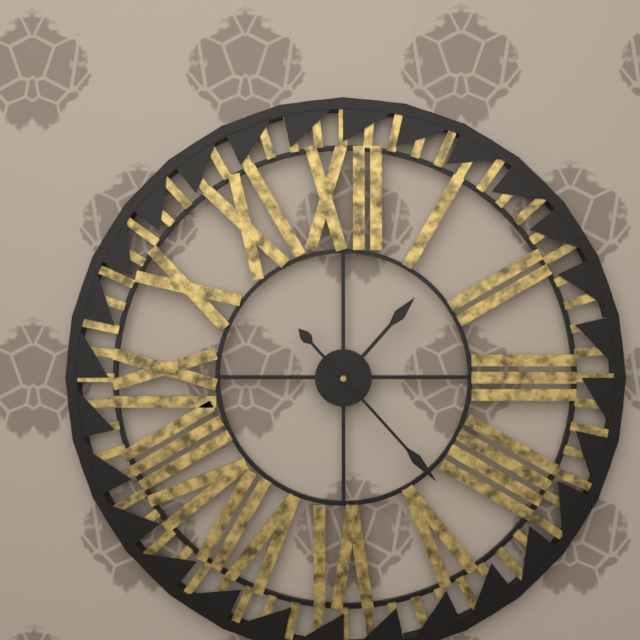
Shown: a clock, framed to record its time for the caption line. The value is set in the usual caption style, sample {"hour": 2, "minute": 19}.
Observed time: {"hour": 1, "minute": 23}
